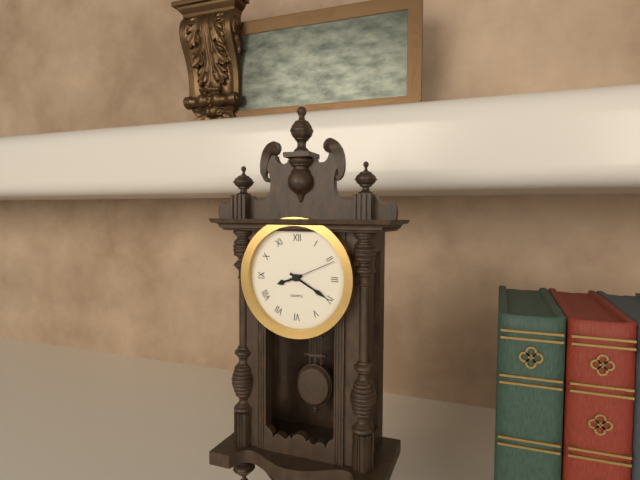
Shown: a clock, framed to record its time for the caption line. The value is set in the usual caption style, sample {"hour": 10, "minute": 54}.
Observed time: {"hour": 8, "minute": 20}
